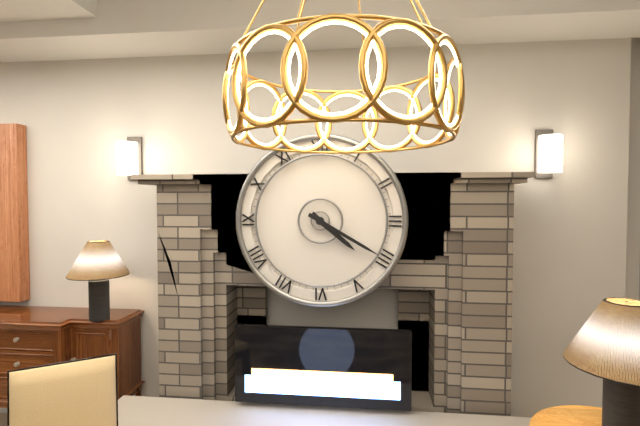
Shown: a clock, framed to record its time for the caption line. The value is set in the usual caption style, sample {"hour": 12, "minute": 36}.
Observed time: {"hour": 4, "minute": 20}
